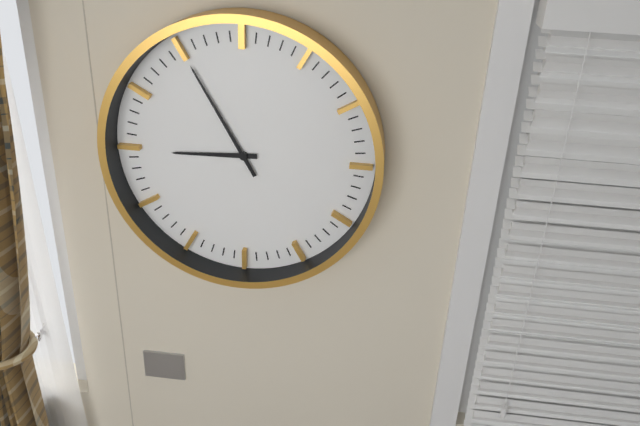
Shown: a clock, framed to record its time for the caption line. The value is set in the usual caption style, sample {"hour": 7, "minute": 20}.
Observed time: {"hour": 8, "minute": 55}
